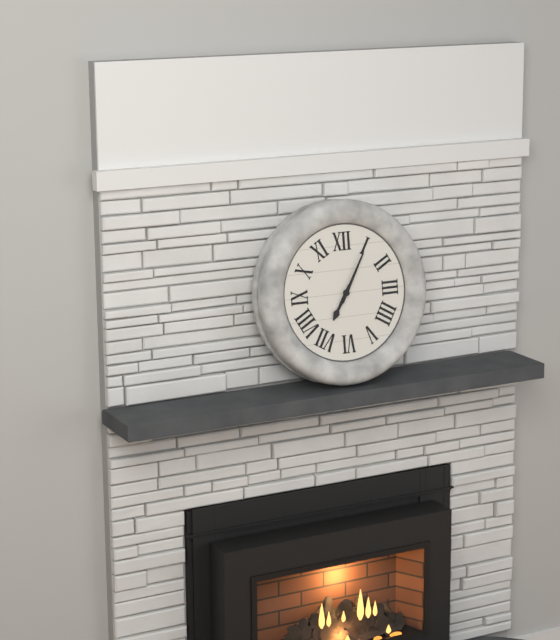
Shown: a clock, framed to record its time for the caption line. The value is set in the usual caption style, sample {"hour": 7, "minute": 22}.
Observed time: {"hour": 7, "minute": 5}
